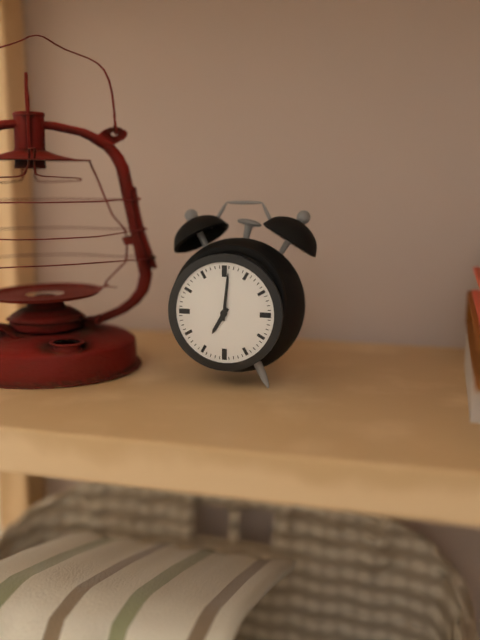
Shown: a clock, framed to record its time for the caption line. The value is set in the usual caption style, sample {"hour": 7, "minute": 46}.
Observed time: {"hour": 7, "minute": 1}
